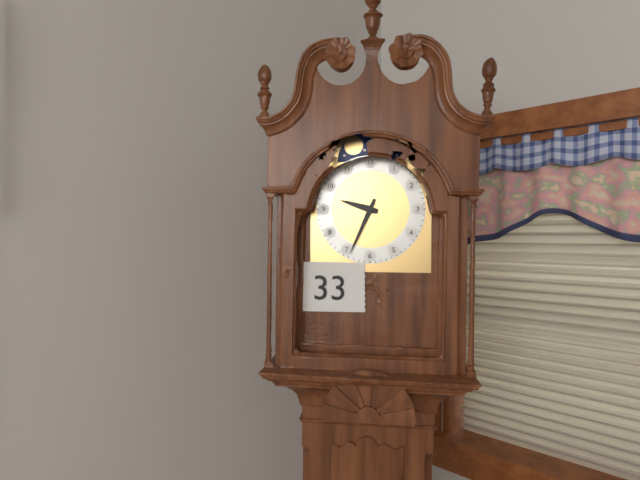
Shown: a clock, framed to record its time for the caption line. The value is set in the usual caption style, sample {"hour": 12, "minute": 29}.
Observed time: {"hour": 9, "minute": 34}
